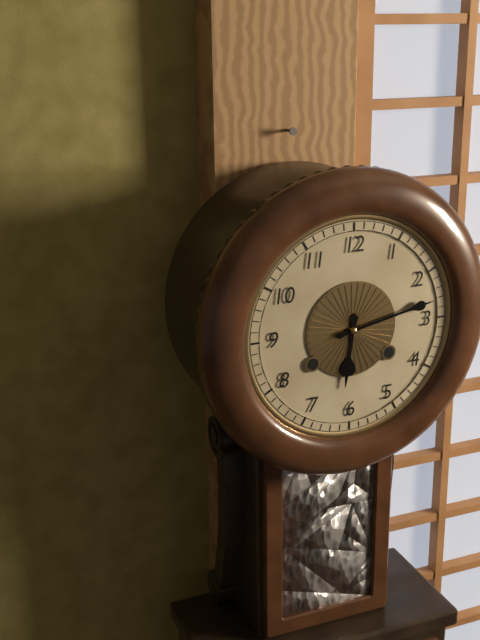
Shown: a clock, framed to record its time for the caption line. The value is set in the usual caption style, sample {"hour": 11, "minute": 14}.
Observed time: {"hour": 6, "minute": 13}
